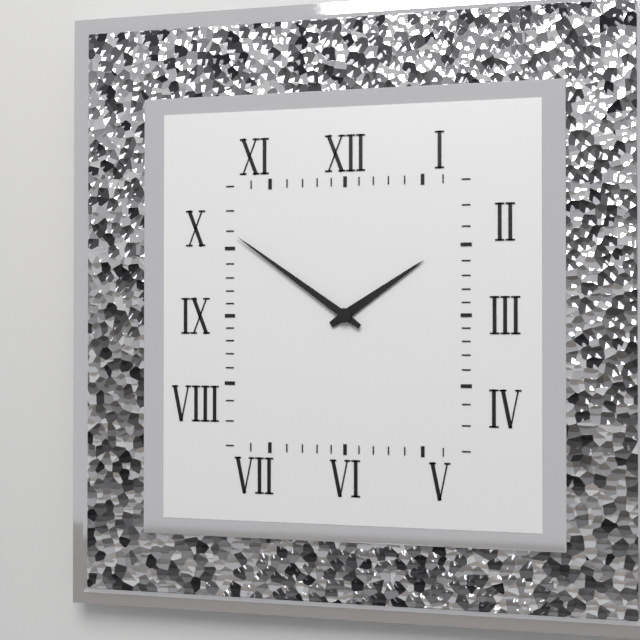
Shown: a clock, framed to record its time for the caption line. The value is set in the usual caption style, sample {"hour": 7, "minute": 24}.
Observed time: {"hour": 1, "minute": 51}
